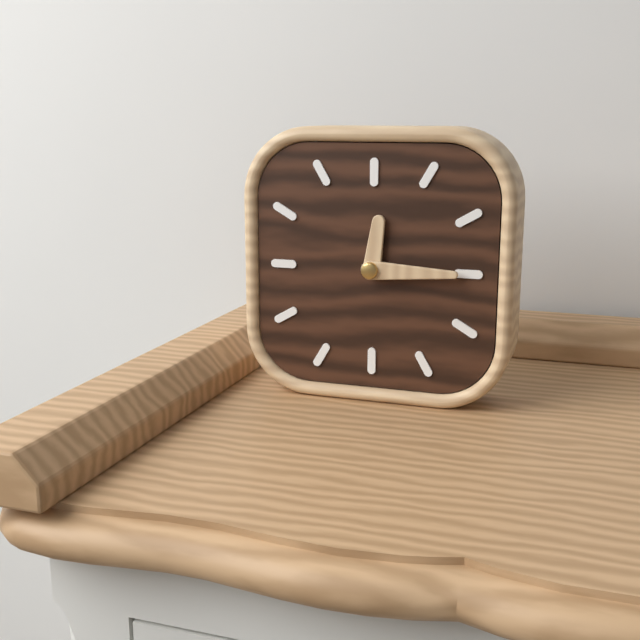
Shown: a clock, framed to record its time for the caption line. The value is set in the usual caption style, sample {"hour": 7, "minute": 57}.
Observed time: {"hour": 12, "minute": 15}
